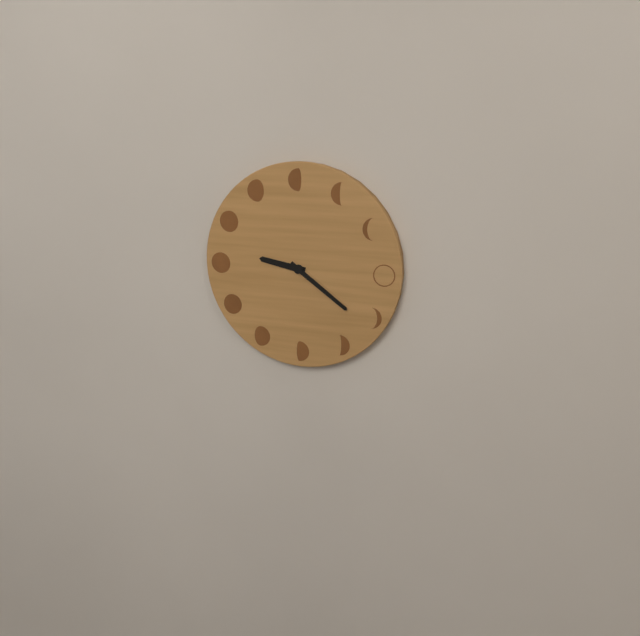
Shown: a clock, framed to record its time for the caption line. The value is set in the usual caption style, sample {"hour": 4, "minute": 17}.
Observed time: {"hour": 9, "minute": 21}
